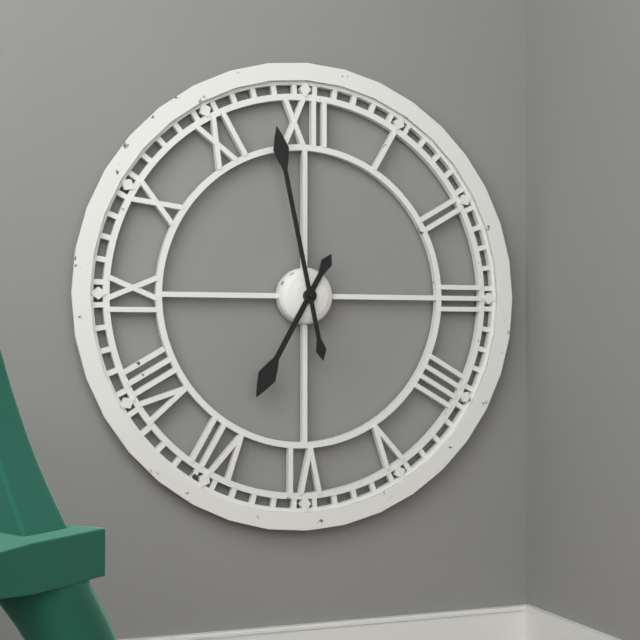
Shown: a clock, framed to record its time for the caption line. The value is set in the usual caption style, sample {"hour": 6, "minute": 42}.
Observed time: {"hour": 6, "minute": 58}
